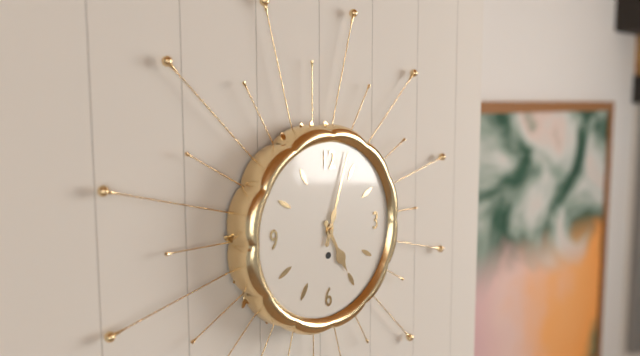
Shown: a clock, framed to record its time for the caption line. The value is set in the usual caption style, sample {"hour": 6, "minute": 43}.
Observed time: {"hour": 5, "minute": 3}
